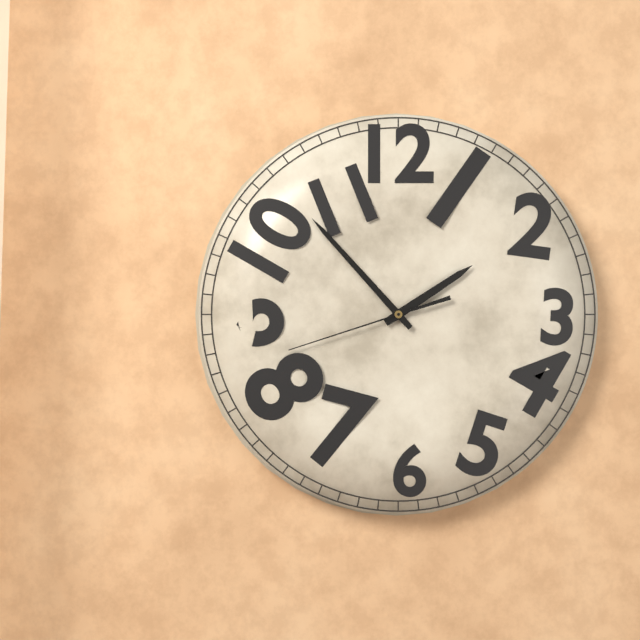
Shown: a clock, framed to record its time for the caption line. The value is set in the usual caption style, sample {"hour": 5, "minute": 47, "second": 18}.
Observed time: {"hour": 1, "minute": 53, "second": 42}
